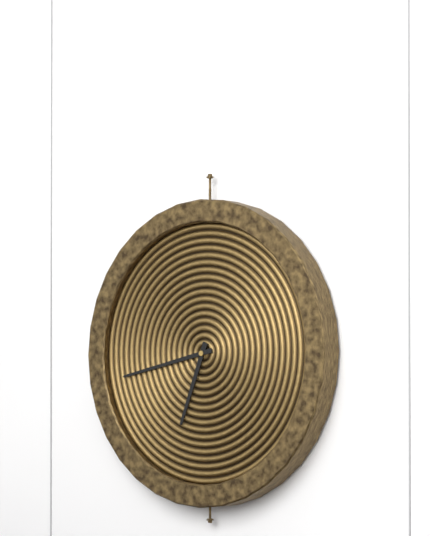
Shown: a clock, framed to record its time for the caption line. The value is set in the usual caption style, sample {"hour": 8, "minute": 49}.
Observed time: {"hour": 6, "minute": 43}
